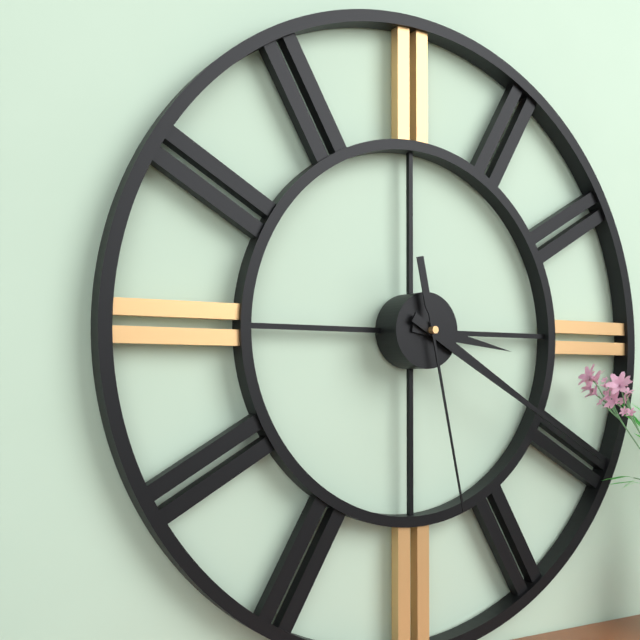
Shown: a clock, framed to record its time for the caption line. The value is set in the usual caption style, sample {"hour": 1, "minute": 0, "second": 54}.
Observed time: {"hour": 3, "minute": 20, "second": 28}
